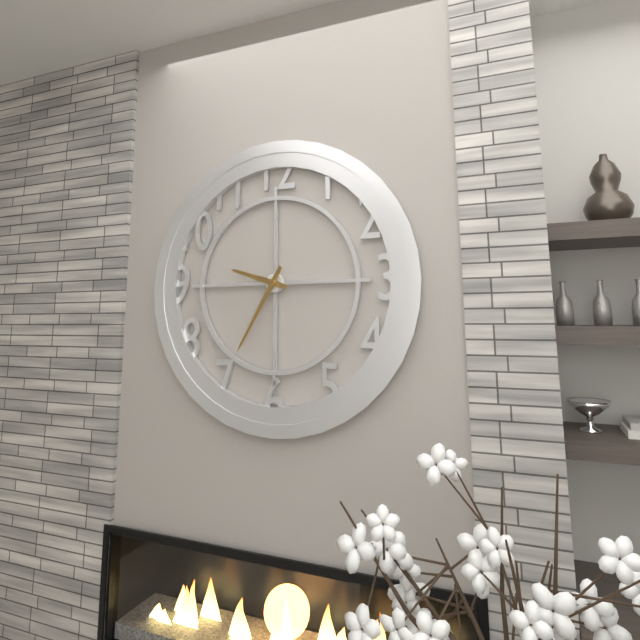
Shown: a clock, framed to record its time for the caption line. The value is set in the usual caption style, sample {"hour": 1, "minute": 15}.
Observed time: {"hour": 9, "minute": 35}
